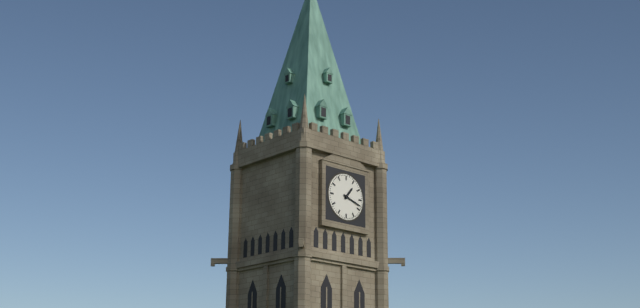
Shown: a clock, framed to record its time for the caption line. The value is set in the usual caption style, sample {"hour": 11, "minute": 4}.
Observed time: {"hour": 1, "minute": 18}
